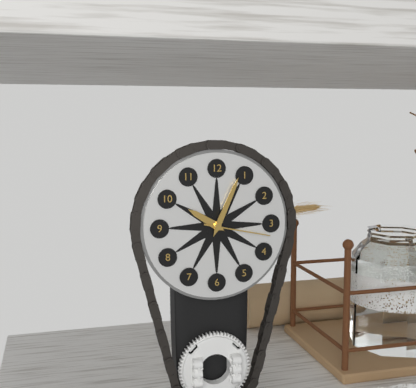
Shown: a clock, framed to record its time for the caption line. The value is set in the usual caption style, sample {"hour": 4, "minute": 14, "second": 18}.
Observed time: {"hour": 10, "minute": 4, "second": 17}
